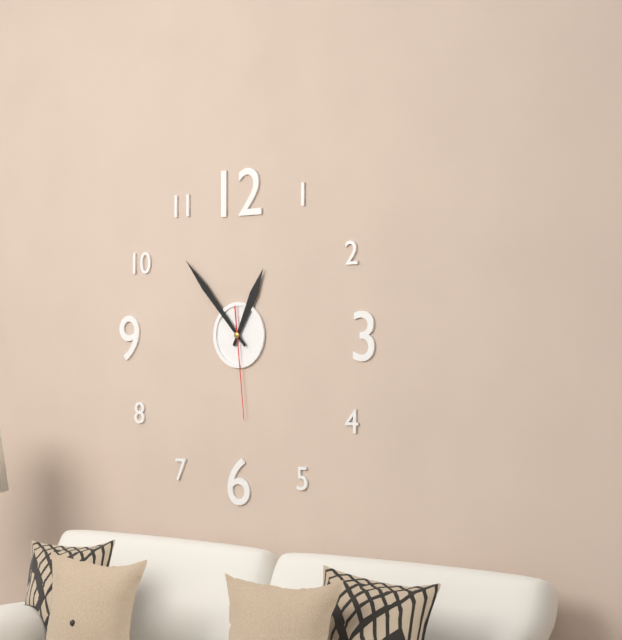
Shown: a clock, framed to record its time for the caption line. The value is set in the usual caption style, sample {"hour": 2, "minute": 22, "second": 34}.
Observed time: {"hour": 12, "minute": 53, "second": 29}
